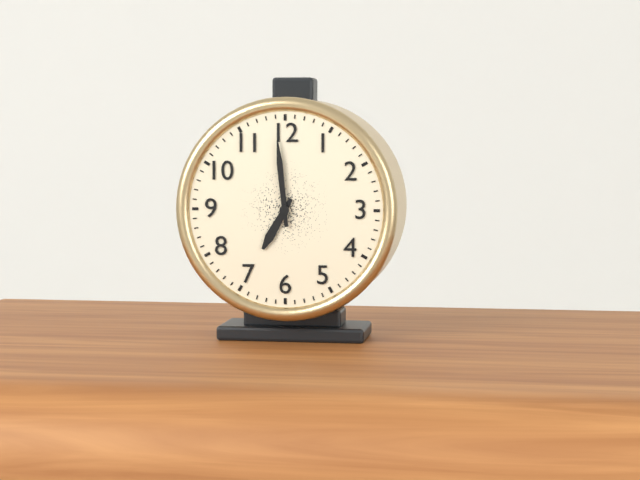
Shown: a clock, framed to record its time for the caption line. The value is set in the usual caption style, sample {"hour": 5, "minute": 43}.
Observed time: {"hour": 6, "minute": 59}
